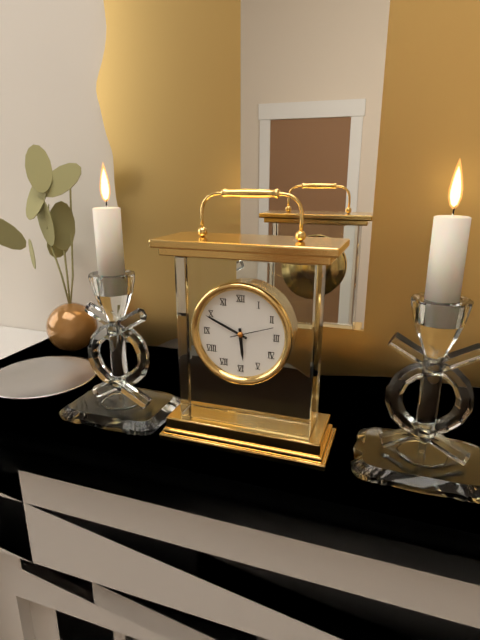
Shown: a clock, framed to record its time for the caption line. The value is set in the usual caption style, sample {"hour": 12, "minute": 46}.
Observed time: {"hour": 5, "minute": 49}
